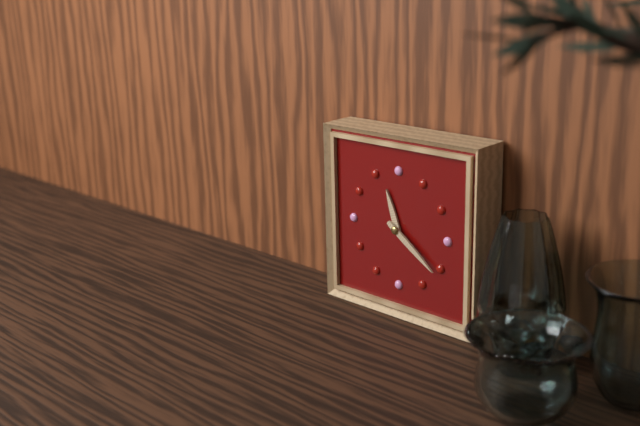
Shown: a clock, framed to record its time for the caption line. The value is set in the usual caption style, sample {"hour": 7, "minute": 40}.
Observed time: {"hour": 11, "minute": 21}
